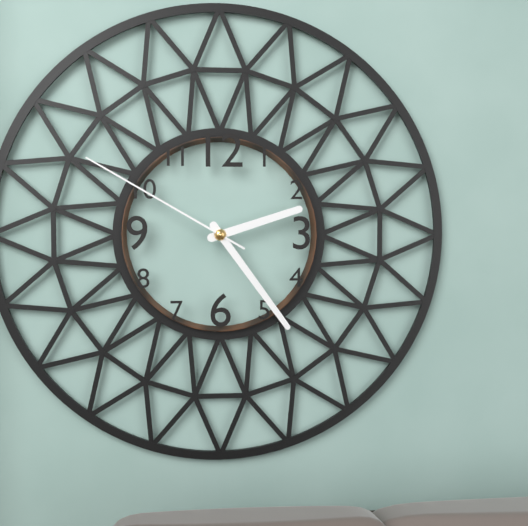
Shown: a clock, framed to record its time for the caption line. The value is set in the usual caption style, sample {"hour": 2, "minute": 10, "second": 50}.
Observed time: {"hour": 2, "minute": 24, "second": 50}
